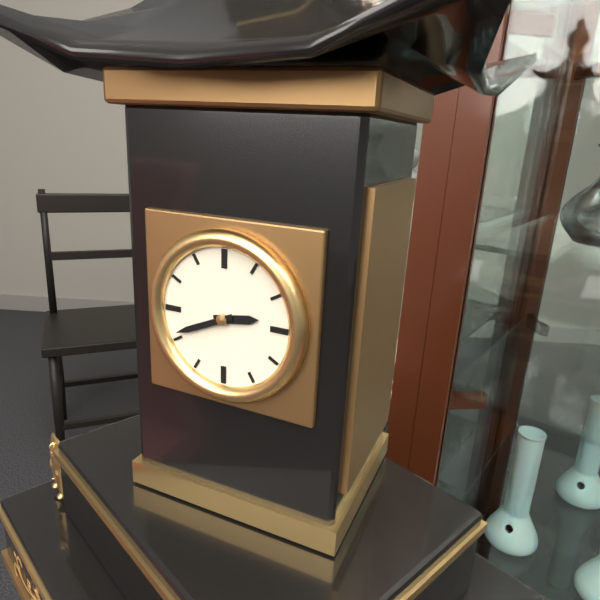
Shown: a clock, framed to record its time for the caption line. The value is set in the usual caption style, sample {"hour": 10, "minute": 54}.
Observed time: {"hour": 2, "minute": 41}
